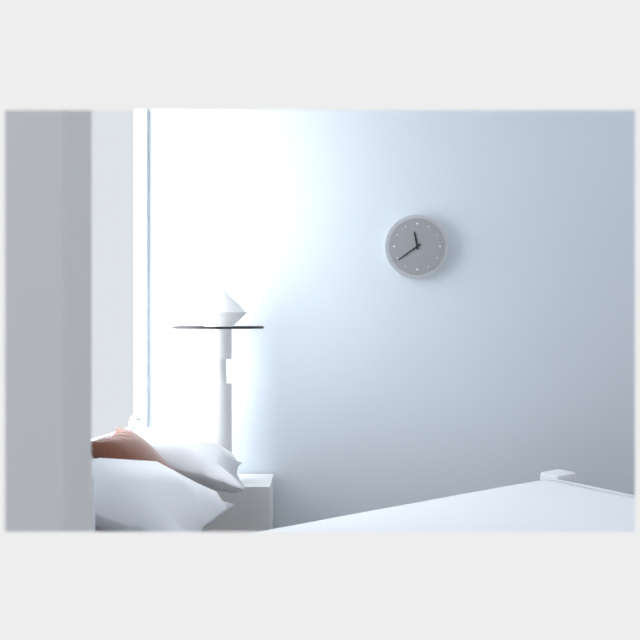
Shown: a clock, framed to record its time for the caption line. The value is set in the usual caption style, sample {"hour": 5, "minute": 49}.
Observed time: {"hour": 11, "minute": 39}
